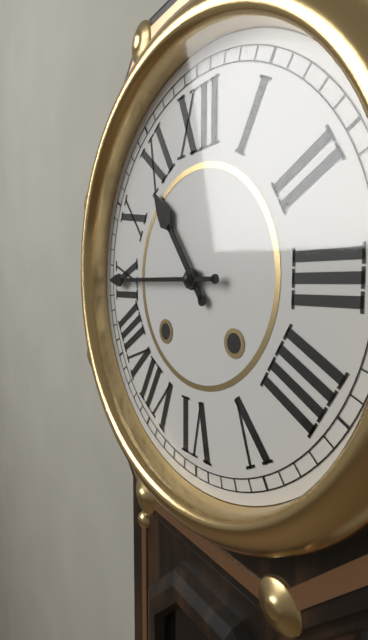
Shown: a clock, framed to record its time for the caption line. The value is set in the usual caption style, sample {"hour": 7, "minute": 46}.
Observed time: {"hour": 10, "minute": 45}
